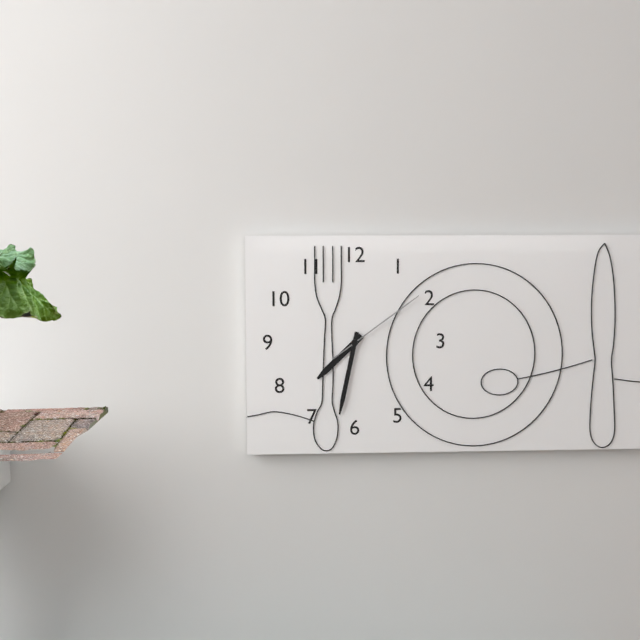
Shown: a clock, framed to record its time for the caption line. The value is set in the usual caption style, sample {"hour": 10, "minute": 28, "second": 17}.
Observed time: {"hour": 7, "minute": 32, "second": 9}
